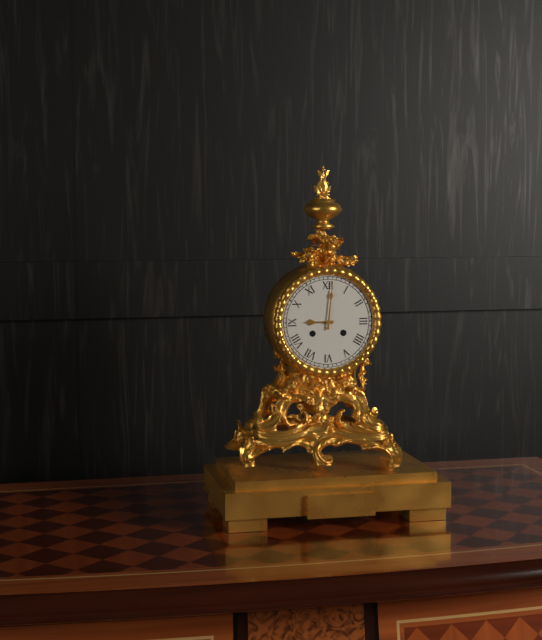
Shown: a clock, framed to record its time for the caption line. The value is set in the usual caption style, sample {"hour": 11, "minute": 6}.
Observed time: {"hour": 9, "minute": 1}
